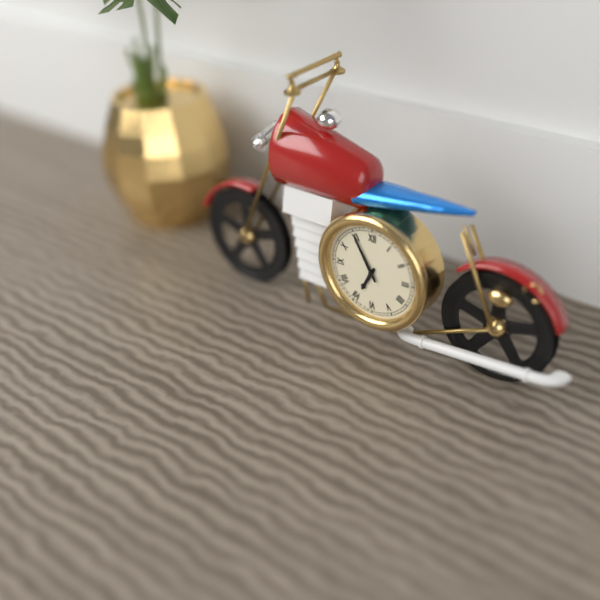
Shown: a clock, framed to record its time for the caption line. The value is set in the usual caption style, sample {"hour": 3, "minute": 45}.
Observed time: {"hour": 6, "minute": 55}
